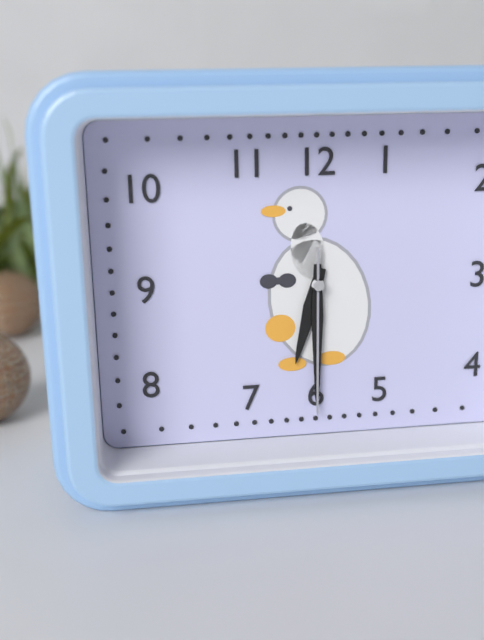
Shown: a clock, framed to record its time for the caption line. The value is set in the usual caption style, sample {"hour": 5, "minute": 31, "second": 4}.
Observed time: {"hour": 6, "minute": 30, "second": 30}
